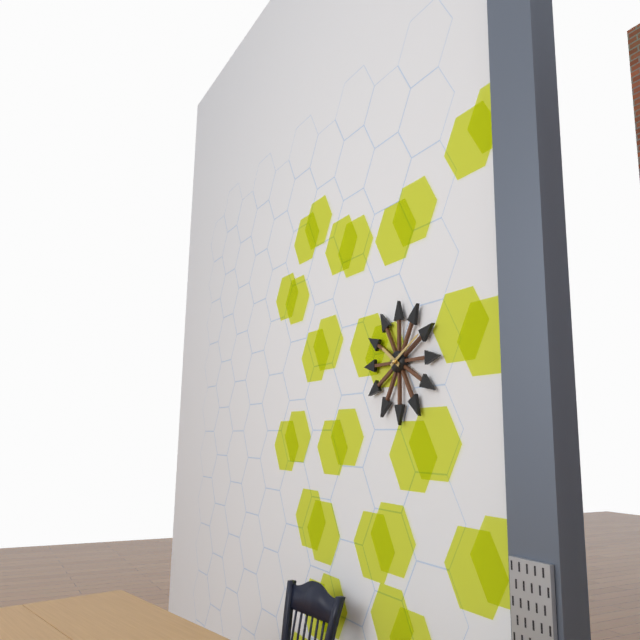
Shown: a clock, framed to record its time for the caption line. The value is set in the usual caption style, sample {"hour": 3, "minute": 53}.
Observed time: {"hour": 10, "minute": 10}
